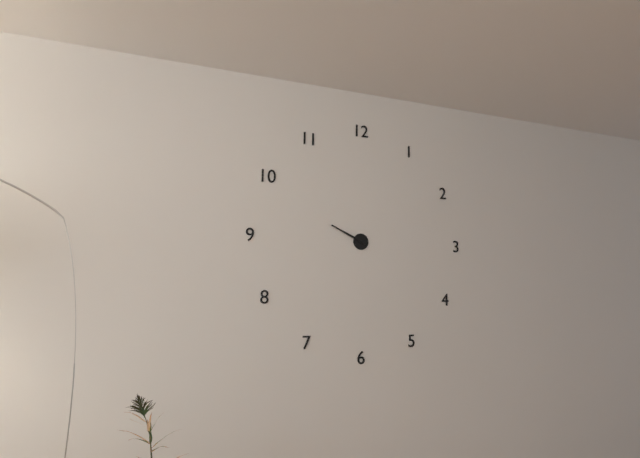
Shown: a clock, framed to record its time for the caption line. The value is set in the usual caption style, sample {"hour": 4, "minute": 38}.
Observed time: {"hour": 9, "minute": 49}
